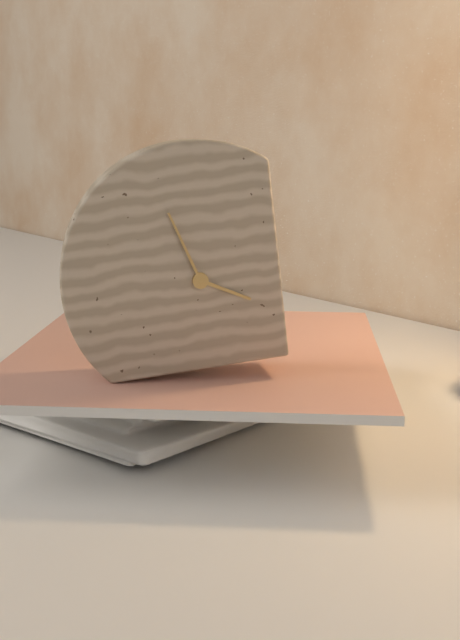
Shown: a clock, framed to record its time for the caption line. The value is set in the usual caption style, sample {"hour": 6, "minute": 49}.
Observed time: {"hour": 3, "minute": 57}
